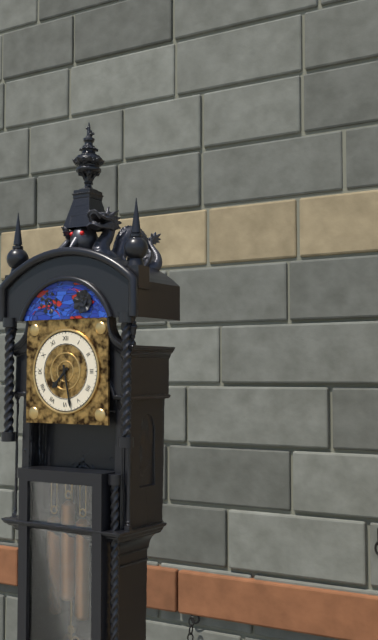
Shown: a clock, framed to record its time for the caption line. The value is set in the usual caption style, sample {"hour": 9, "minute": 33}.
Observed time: {"hour": 7, "minute": 28}
